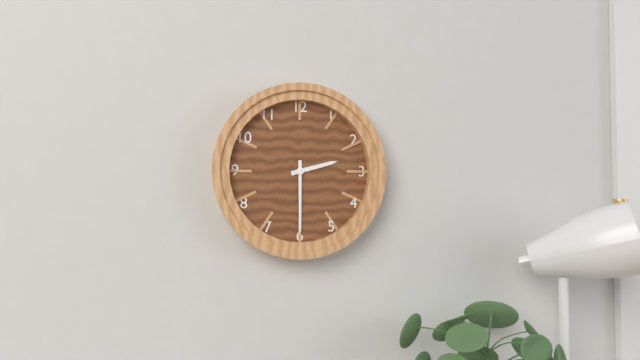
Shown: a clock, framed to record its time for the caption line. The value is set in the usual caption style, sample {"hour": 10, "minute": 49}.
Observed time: {"hour": 2, "minute": 30}
